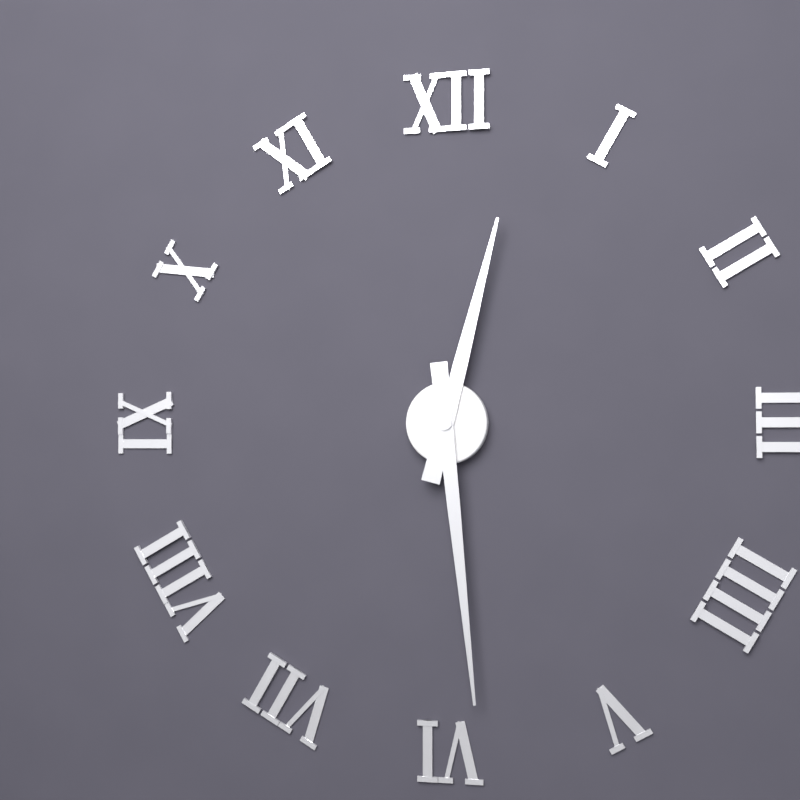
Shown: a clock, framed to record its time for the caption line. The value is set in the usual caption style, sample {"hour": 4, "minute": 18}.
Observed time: {"hour": 12, "minute": 29}
